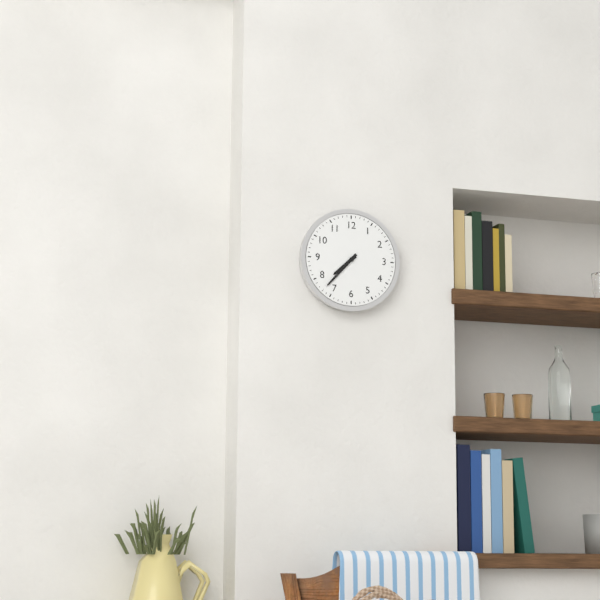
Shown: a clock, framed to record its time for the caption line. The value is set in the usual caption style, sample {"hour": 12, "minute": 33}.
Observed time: {"hour": 7, "minute": 37}
